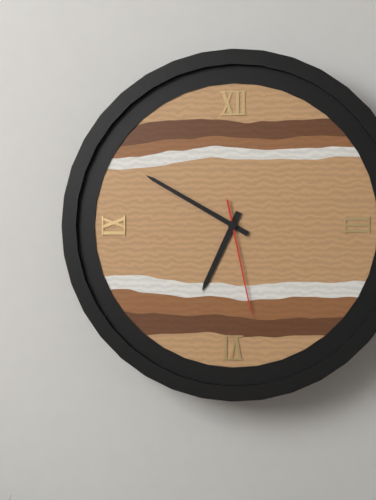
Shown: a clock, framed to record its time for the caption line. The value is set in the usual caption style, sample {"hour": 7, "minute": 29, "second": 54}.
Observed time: {"hour": 6, "minute": 50, "second": 28}
